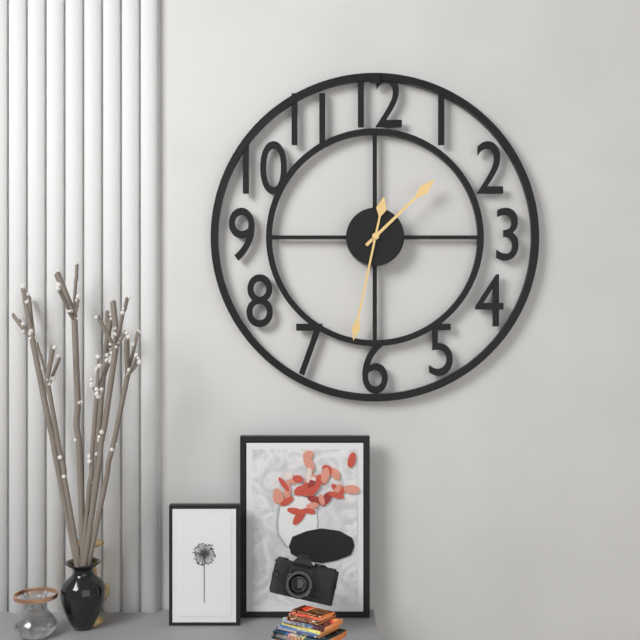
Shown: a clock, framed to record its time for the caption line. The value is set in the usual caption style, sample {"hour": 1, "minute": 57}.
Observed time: {"hour": 1, "minute": 32}
